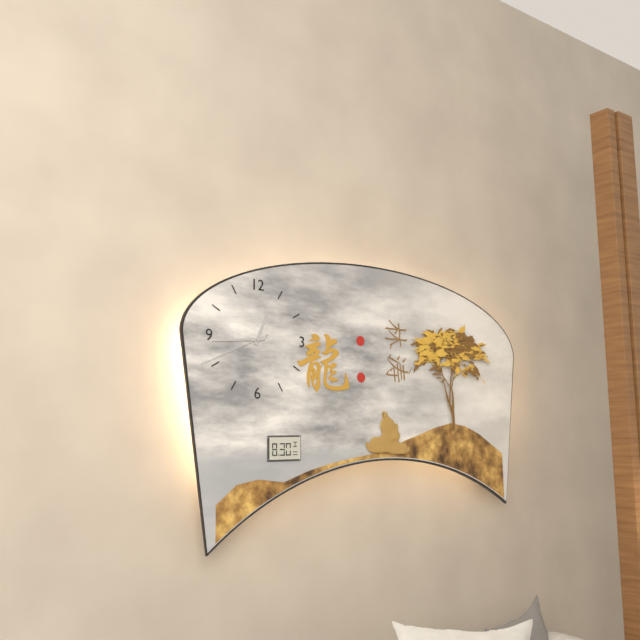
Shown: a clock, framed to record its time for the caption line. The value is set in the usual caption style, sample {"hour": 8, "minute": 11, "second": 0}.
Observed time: {"hour": 12, "minute": 44, "second": 41}
